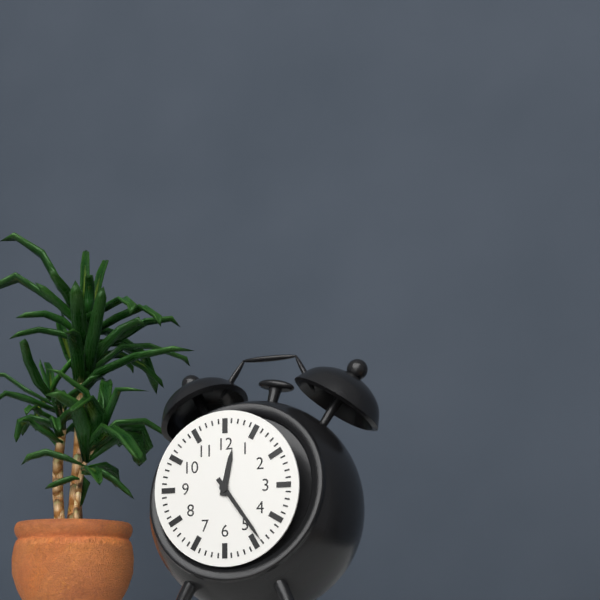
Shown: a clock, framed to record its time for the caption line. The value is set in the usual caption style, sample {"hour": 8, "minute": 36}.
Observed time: {"hour": 12, "minute": 24}
